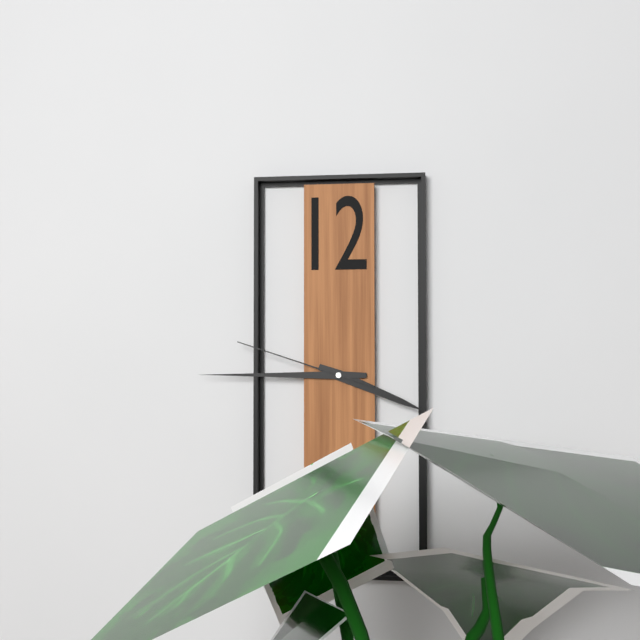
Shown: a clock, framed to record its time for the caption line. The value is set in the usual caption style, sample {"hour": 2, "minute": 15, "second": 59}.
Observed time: {"hour": 3, "minute": 45, "second": 48}
